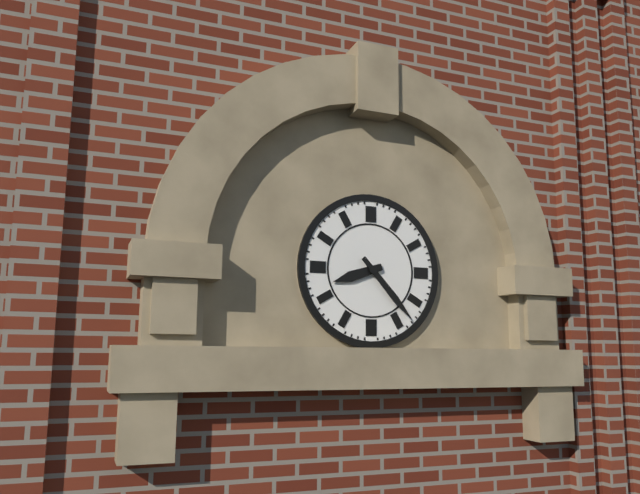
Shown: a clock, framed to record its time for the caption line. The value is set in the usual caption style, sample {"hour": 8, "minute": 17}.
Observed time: {"hour": 8, "minute": 23}
